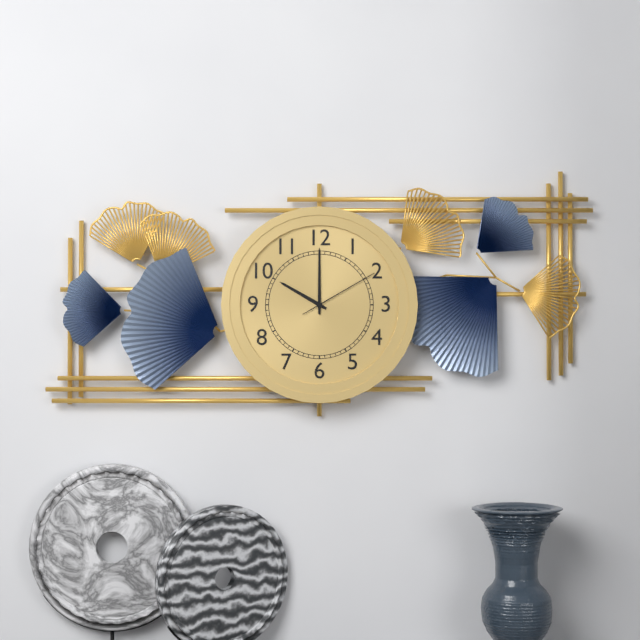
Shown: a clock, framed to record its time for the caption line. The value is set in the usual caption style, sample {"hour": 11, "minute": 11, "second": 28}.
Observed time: {"hour": 10, "minute": 0, "second": 10}
